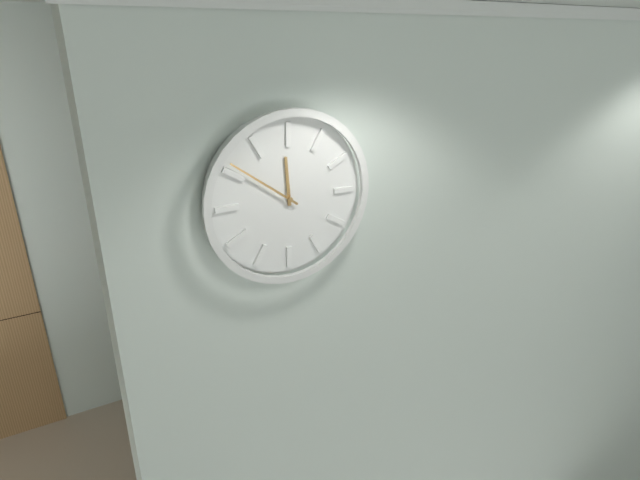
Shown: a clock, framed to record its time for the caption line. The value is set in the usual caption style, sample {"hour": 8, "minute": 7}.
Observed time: {"hour": 11, "minute": 51}
